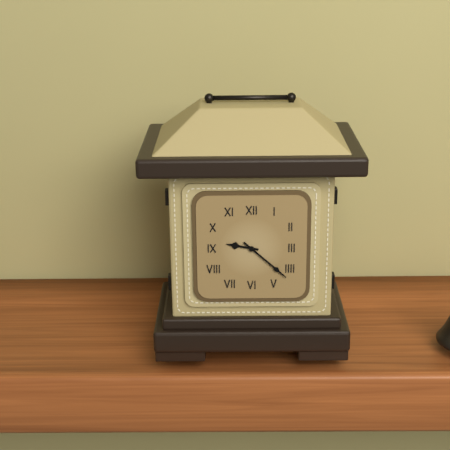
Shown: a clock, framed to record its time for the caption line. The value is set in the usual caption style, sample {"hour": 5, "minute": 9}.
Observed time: {"hour": 9, "minute": 22}
